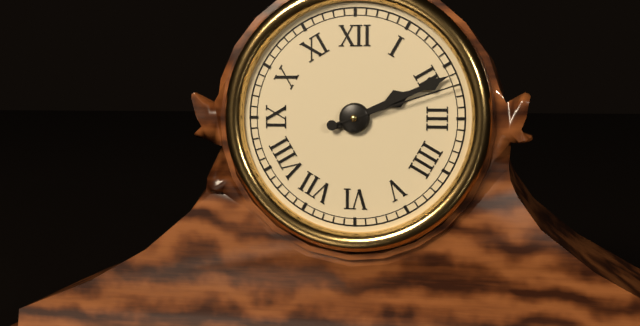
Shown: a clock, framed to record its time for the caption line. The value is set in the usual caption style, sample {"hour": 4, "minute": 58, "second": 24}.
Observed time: {"hour": 2, "minute": 11, "second": 12}
